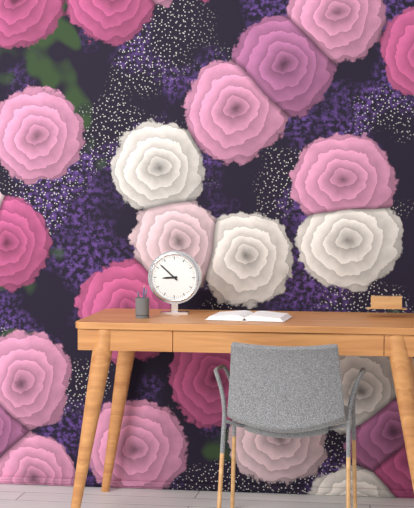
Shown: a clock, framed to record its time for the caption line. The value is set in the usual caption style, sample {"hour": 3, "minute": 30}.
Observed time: {"hour": 8, "minute": 52}
